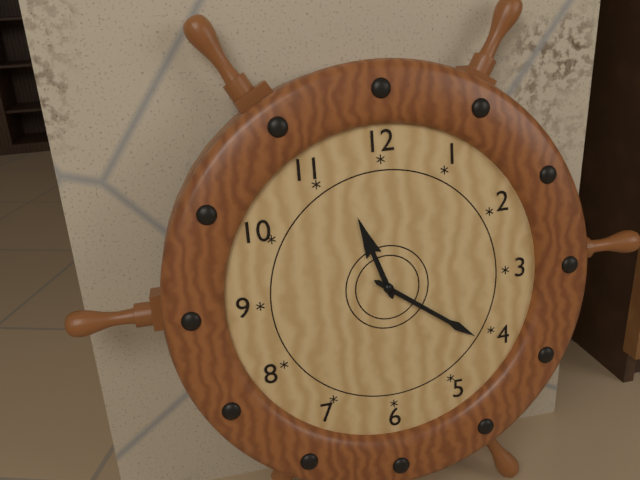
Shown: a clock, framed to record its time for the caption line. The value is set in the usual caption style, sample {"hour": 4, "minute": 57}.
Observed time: {"hour": 11, "minute": 21}
